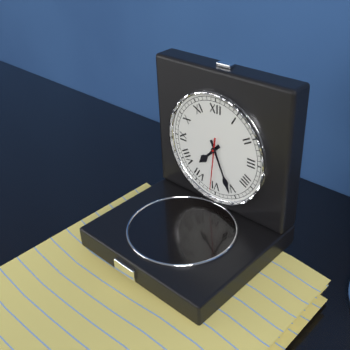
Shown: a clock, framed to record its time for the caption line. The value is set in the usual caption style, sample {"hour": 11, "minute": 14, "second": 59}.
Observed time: {"hour": 7, "minute": 26, "second": 31}
